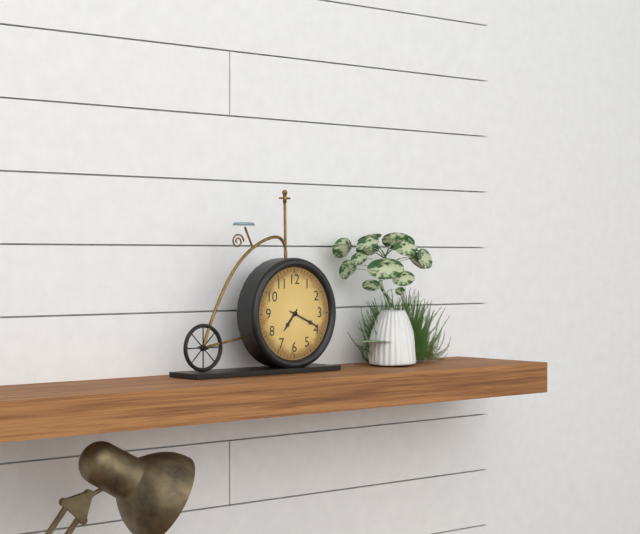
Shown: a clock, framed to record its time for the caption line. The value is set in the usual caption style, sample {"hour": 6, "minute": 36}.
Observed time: {"hour": 7, "minute": 19}
